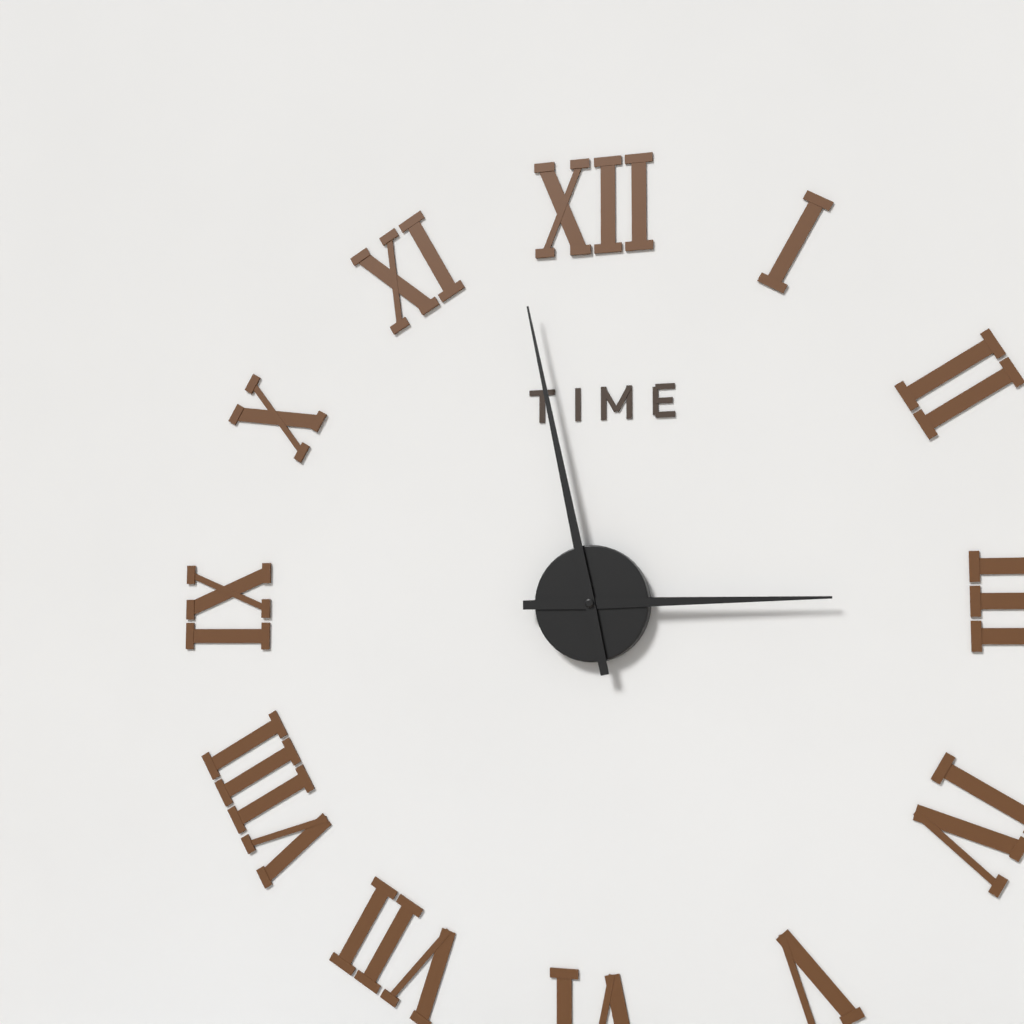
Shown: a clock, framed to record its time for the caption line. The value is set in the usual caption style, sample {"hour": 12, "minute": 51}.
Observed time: {"hour": 2, "minute": 58}
